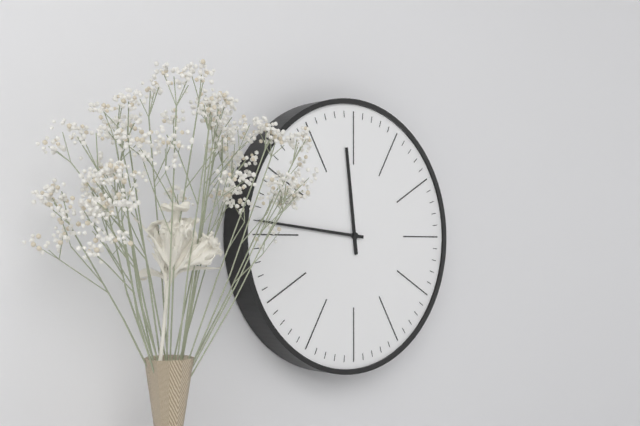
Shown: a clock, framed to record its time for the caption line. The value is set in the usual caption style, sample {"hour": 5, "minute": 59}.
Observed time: {"hour": 11, "minute": 46}
